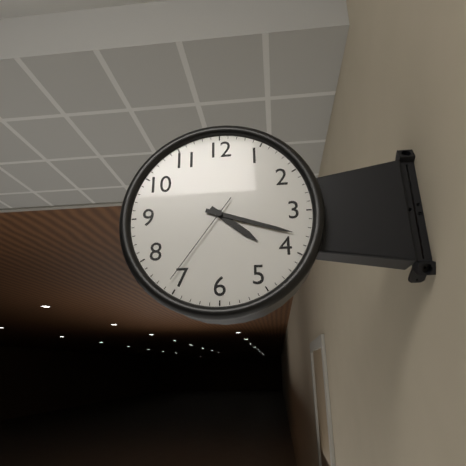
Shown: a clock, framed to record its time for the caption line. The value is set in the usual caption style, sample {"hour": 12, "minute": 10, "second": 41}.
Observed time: {"hour": 4, "minute": 18, "second": 36}
